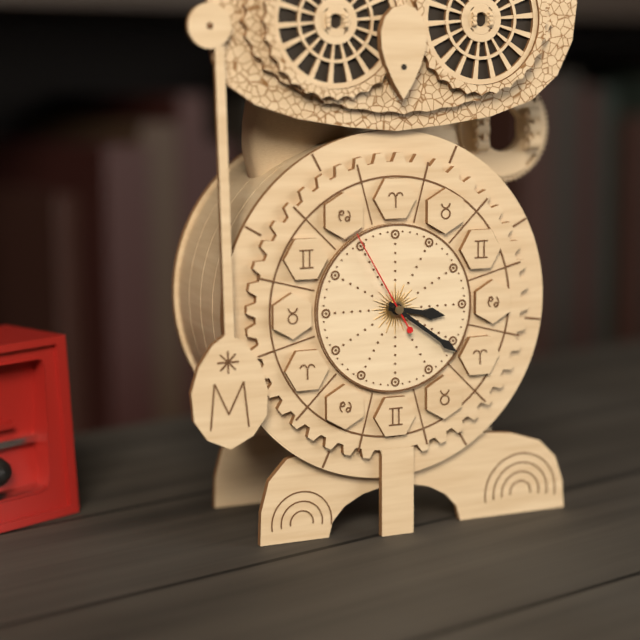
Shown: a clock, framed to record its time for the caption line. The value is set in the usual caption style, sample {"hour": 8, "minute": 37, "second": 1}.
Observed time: {"hour": 3, "minute": 21, "second": 55}
